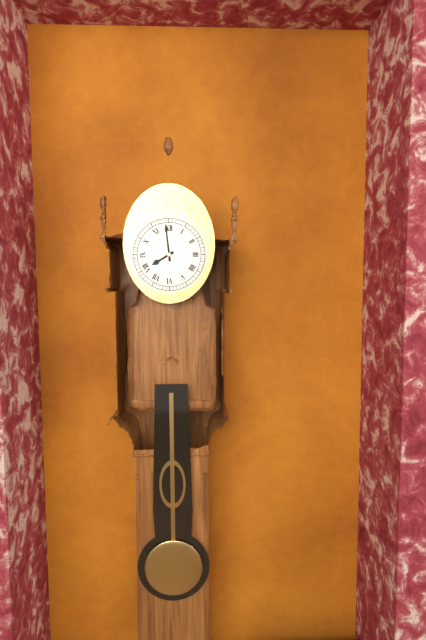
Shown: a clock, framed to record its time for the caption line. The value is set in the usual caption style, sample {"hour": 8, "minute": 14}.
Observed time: {"hour": 7, "minute": 59}
